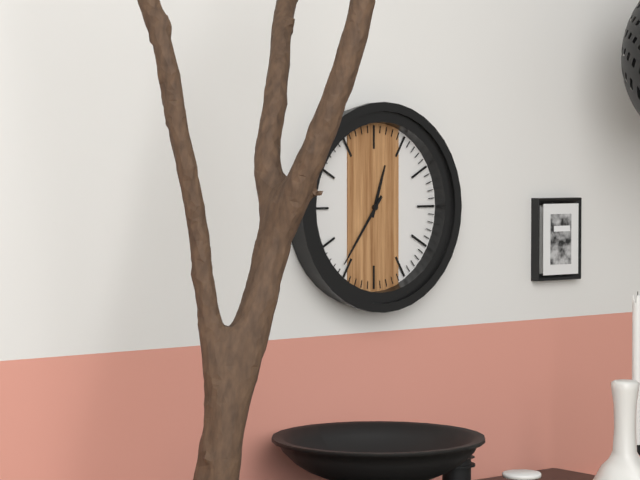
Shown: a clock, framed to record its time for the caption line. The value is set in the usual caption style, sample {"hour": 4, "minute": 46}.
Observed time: {"hour": 12, "minute": 36}
